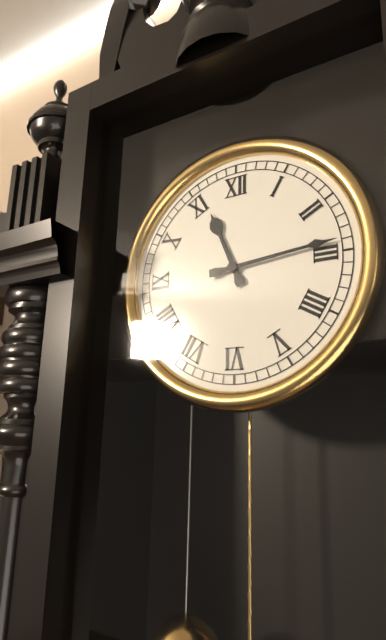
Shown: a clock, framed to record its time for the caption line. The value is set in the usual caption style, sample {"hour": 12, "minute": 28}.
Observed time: {"hour": 11, "minute": 14}
